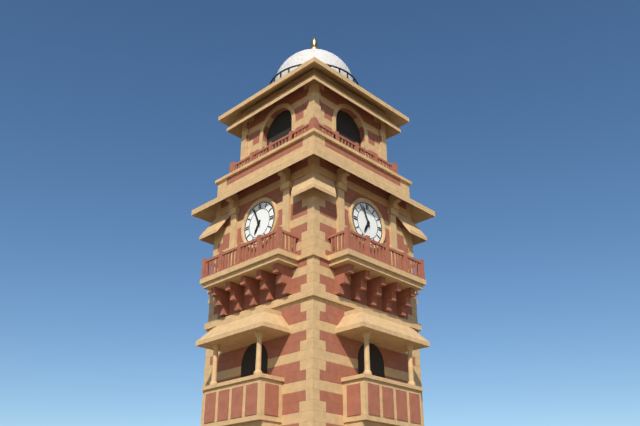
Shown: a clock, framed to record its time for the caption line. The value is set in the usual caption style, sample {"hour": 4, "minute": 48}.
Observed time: {"hour": 6, "minute": 56}
